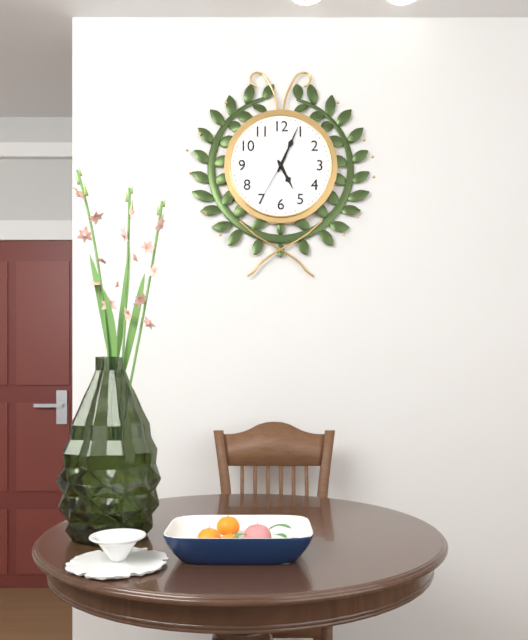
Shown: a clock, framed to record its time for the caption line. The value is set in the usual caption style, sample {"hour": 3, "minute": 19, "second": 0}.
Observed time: {"hour": 5, "minute": 4, "second": 35}
